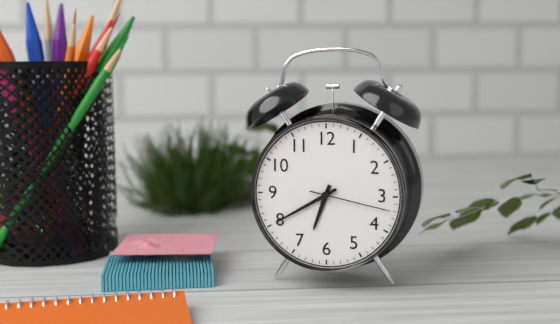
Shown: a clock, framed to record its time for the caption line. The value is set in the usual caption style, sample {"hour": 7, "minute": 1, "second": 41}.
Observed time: {"hour": 6, "minute": 40, "second": 17}
